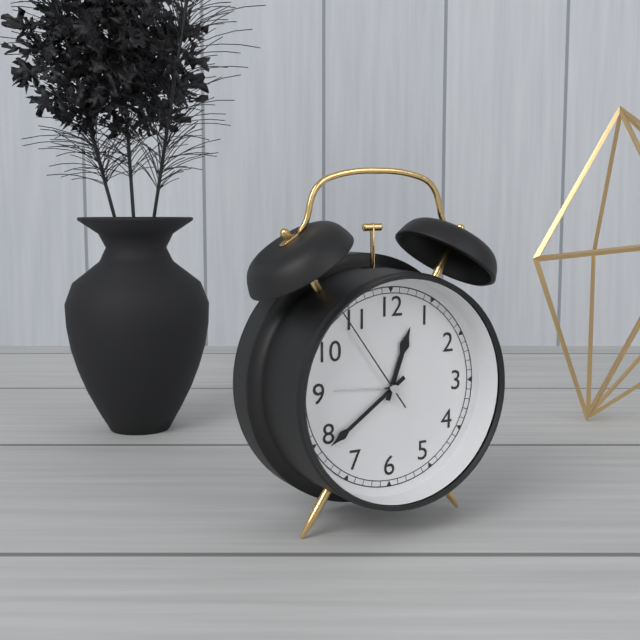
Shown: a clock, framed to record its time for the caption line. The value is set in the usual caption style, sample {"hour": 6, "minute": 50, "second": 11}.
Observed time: {"hour": 12, "minute": 39, "second": 54}
